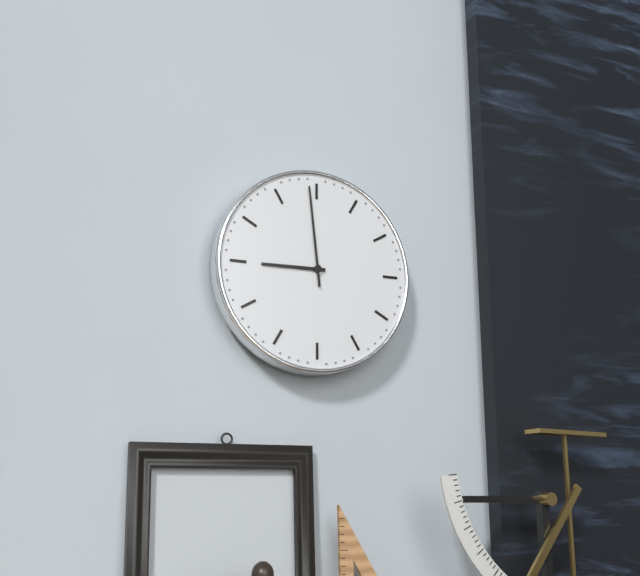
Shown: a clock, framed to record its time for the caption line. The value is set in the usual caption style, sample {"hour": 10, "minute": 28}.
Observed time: {"hour": 8, "minute": 59}
